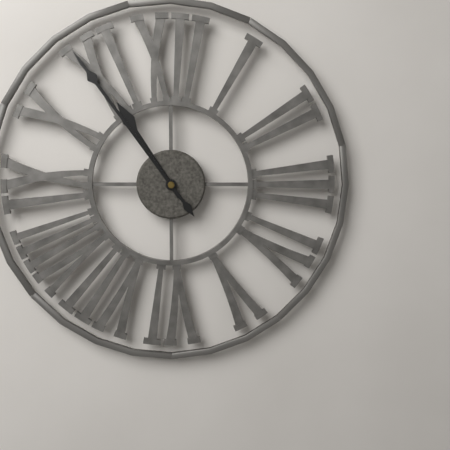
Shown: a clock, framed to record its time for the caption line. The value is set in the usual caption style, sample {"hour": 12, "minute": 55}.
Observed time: {"hour": 10, "minute": 54}
